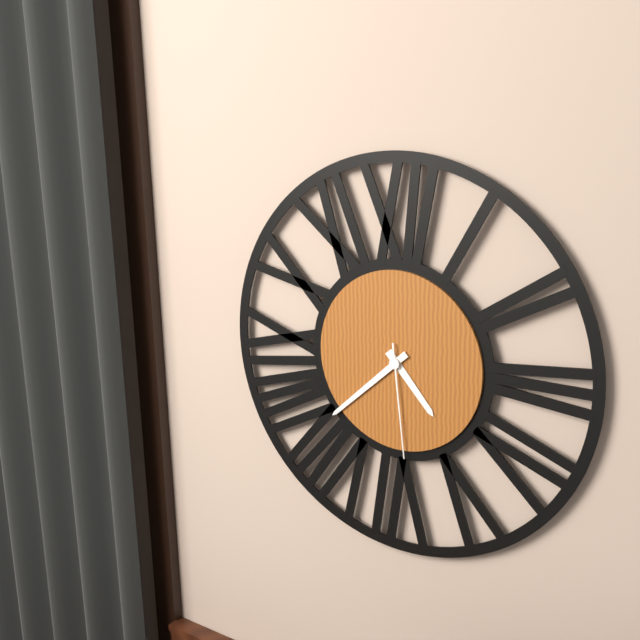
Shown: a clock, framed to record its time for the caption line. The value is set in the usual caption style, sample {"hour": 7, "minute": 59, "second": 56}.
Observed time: {"hour": 4, "minute": 38, "second": 29}
